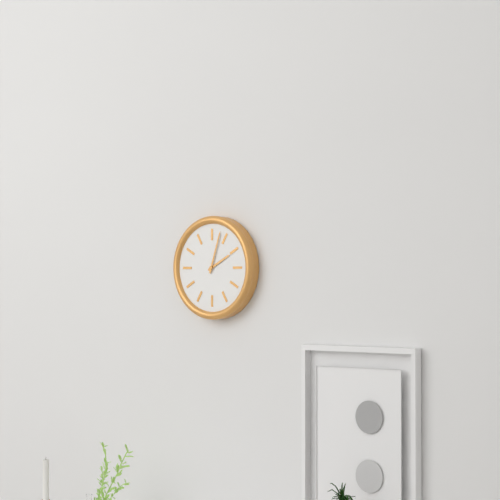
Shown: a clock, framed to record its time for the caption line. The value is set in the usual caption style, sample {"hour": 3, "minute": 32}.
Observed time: {"hour": 2, "minute": 3}
